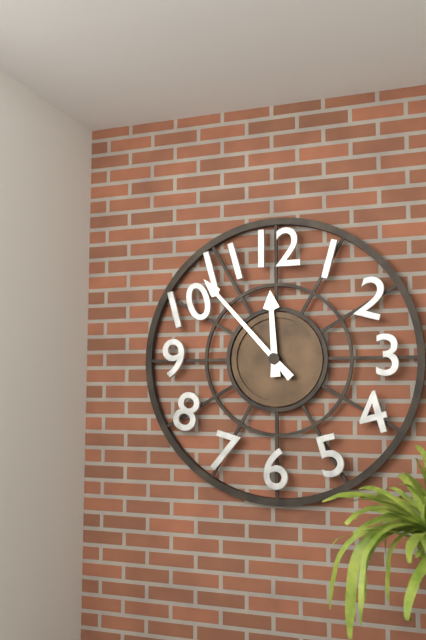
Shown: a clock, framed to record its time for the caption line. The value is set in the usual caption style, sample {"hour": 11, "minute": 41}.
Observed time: {"hour": 11, "minute": 53}
